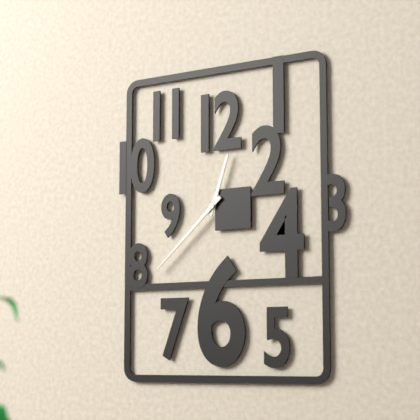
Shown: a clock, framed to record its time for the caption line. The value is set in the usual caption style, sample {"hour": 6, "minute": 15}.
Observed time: {"hour": 12, "minute": 38}
